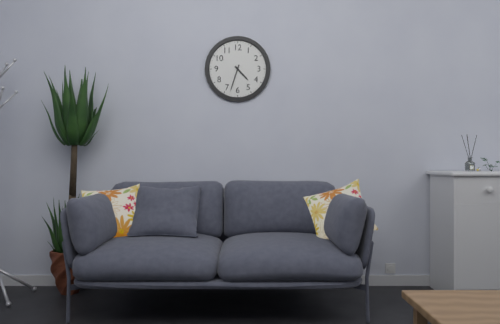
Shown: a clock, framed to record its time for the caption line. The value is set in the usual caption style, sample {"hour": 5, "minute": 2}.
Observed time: {"hour": 4, "minute": 33}
